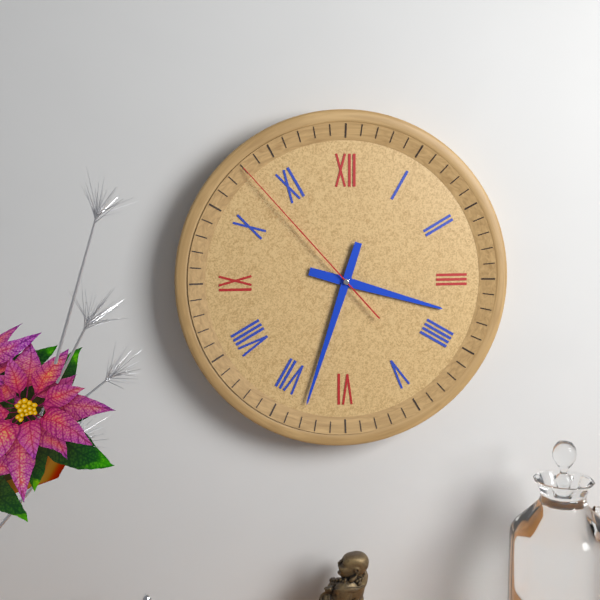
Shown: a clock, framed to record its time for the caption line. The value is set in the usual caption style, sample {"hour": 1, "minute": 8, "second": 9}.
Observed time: {"hour": 3, "minute": 33, "second": 53}
